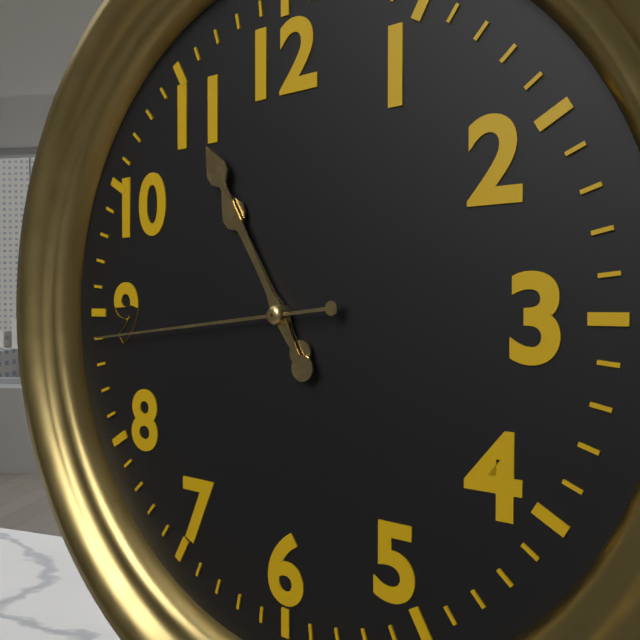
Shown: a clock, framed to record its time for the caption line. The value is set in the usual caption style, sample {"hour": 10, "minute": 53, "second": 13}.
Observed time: {"hour": 10, "minute": 55, "second": 44}
